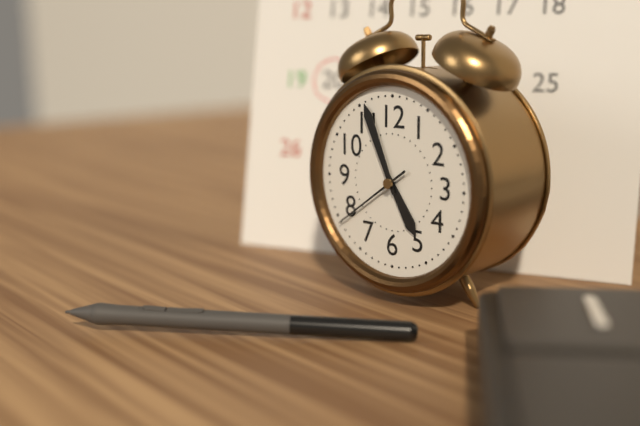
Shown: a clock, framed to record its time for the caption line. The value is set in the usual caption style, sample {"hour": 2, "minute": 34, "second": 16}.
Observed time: {"hour": 4, "minute": 56, "second": 39}
